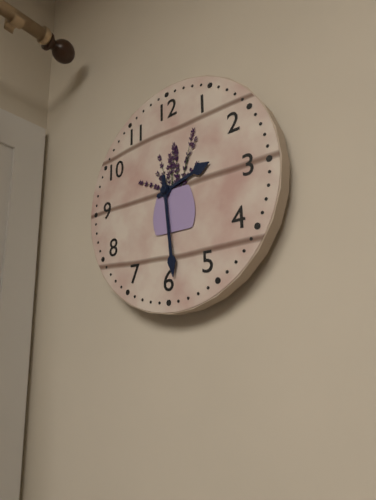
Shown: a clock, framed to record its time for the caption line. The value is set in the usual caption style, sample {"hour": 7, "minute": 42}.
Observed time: {"hour": 2, "minute": 29}
